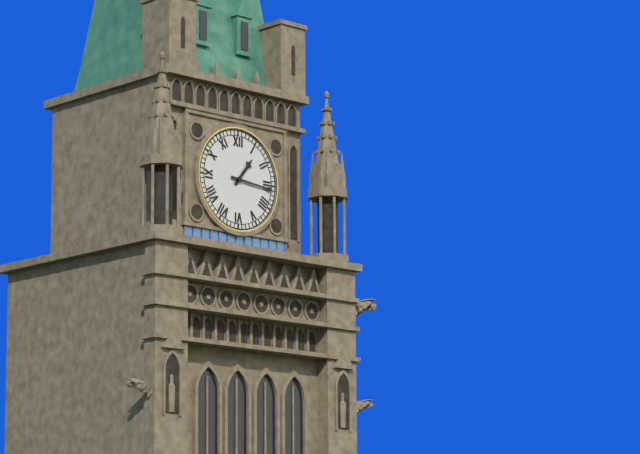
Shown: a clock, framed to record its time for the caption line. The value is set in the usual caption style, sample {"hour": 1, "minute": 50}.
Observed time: {"hour": 1, "minute": 16}
